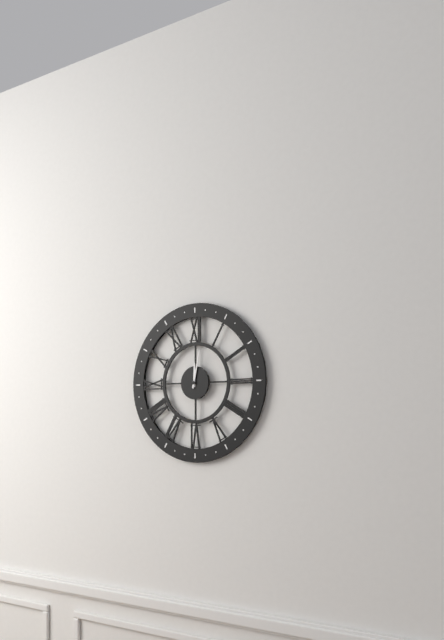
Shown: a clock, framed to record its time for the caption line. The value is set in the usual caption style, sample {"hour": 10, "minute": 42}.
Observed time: {"hour": 12, "minute": 2}
